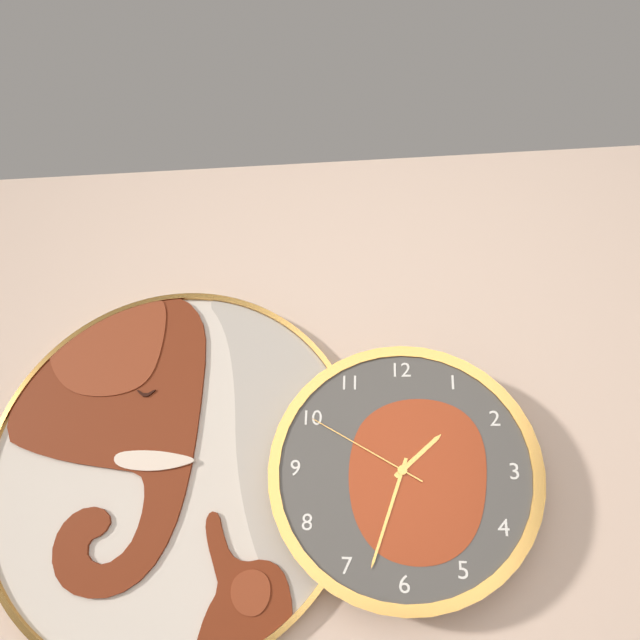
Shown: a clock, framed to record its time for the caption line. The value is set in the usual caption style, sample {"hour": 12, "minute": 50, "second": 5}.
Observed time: {"hour": 1, "minute": 33, "second": 50}
